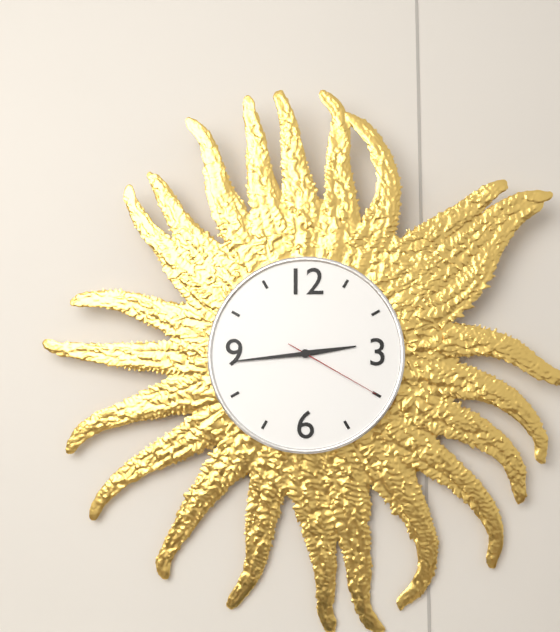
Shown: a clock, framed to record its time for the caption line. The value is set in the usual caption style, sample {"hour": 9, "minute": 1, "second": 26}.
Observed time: {"hour": 2, "minute": 44, "second": 20}
